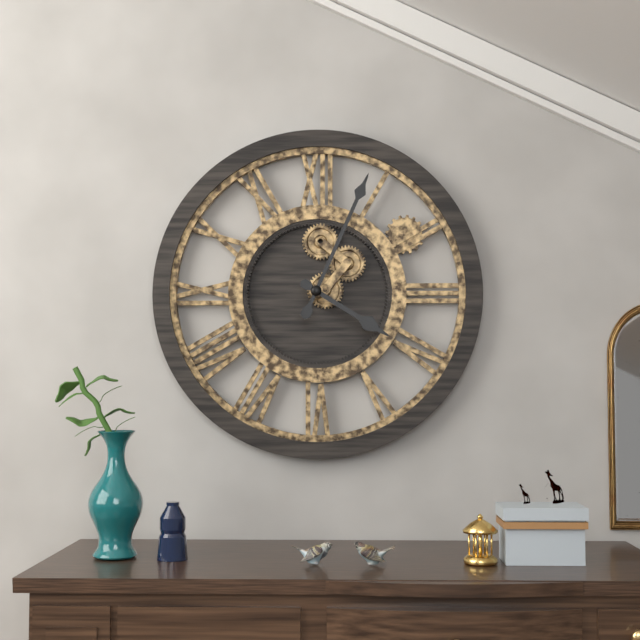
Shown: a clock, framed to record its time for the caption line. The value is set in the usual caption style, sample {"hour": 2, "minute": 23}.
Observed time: {"hour": 4, "minute": 4}
